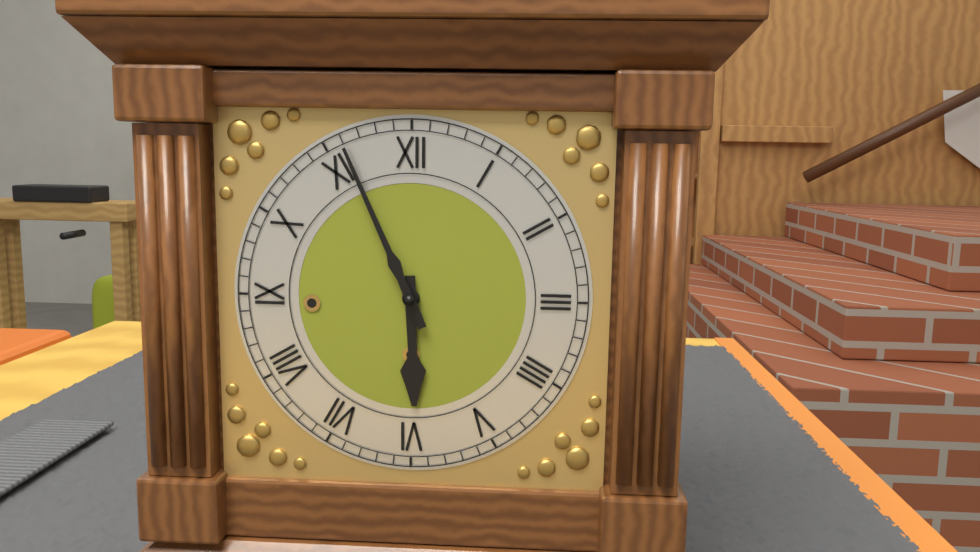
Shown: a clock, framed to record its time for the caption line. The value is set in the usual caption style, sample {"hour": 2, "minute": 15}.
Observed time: {"hour": 5, "minute": 56}
